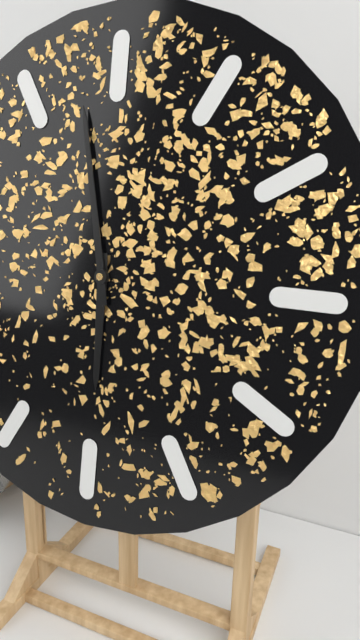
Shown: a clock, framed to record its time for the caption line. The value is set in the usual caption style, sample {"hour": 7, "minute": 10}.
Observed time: {"hour": 5, "minute": 58}
